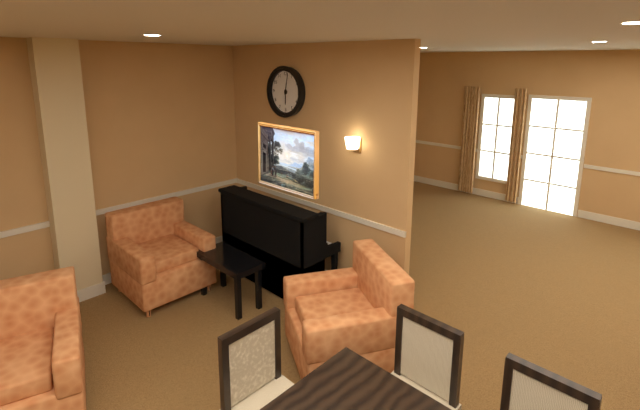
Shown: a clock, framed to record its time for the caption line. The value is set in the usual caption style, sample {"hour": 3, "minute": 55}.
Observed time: {"hour": 6, "minute": 2}
